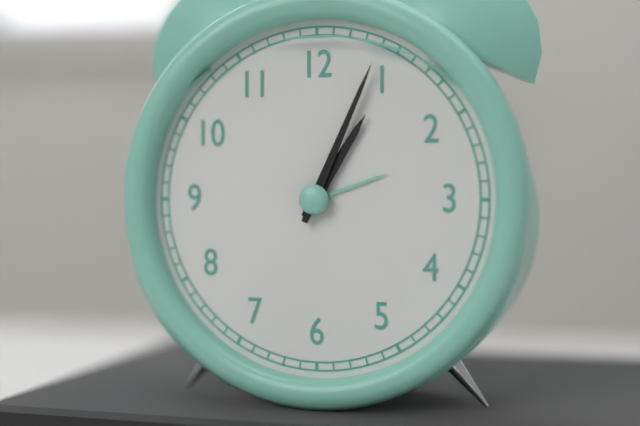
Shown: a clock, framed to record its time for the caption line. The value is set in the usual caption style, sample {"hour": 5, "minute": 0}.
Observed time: {"hour": 1, "minute": 4}
